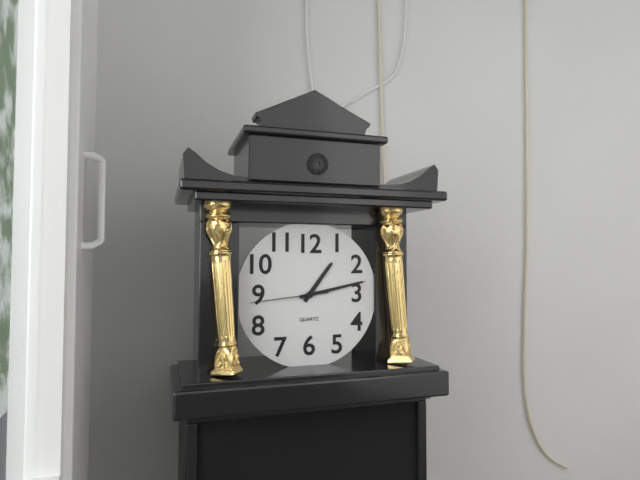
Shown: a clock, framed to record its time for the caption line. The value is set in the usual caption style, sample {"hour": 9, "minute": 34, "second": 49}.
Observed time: {"hour": 1, "minute": 13, "second": 44}
